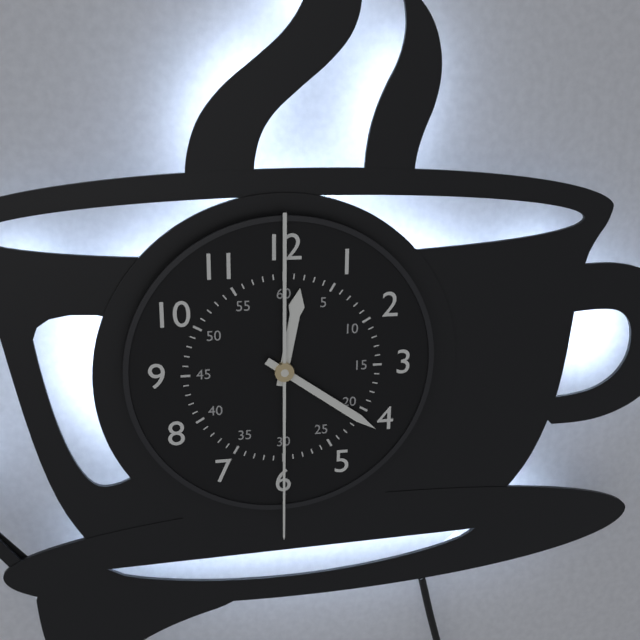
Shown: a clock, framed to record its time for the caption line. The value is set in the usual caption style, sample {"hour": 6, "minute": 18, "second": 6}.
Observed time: {"hour": 12, "minute": 21, "second": 30}
